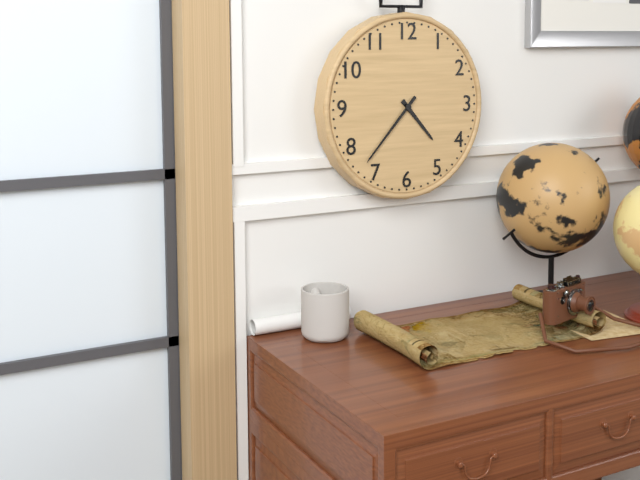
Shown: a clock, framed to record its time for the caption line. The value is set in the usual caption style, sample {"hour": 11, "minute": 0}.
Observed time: {"hour": 4, "minute": 37}
